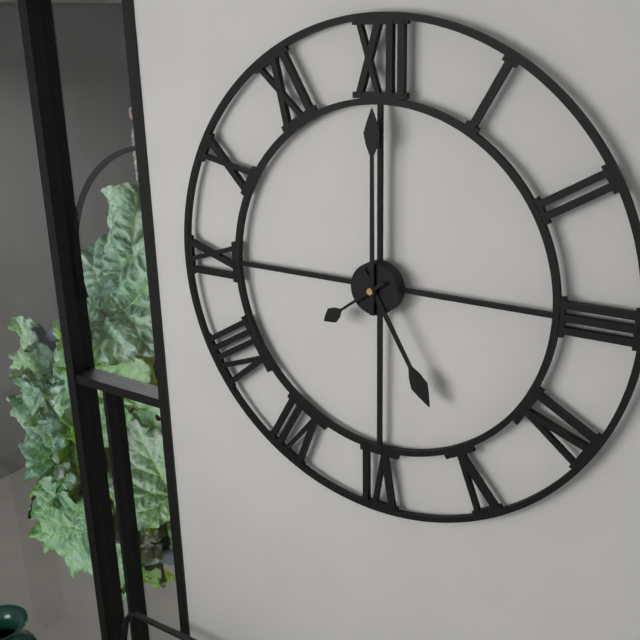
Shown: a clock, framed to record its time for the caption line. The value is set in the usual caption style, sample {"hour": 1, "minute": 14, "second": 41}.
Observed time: {"hour": 5, "minute": 0, "second": 39}
